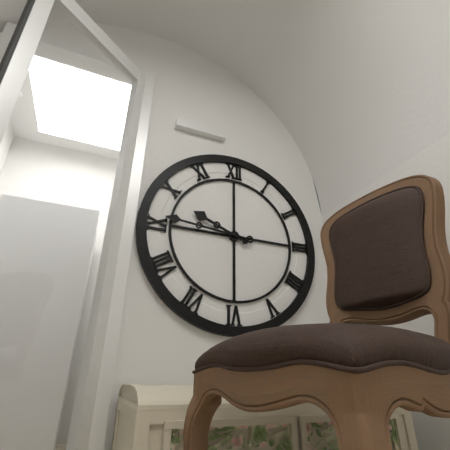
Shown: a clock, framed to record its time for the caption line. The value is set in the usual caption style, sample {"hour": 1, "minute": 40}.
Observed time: {"hour": 9, "minute": 46}
